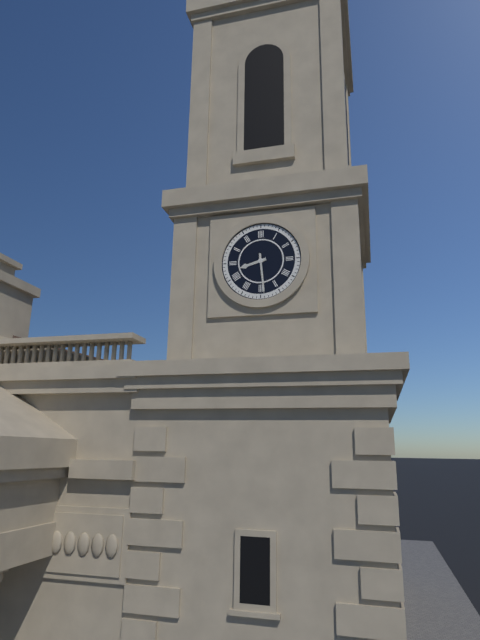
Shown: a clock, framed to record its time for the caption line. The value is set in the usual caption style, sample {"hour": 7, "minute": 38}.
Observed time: {"hour": 8, "minute": 29}
